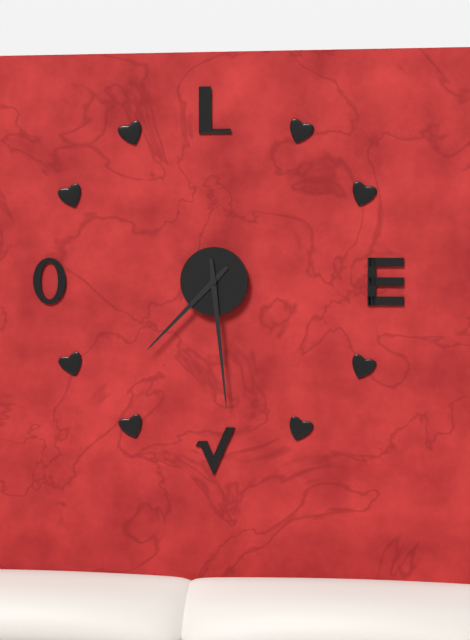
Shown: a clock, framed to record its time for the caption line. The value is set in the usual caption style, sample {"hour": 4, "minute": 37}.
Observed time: {"hour": 7, "minute": 29}
